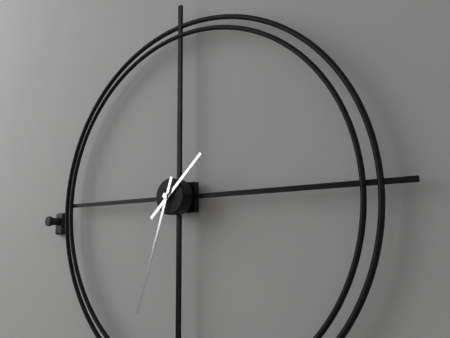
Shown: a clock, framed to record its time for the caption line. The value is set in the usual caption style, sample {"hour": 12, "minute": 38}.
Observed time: {"hour": 1, "minute": 33}
